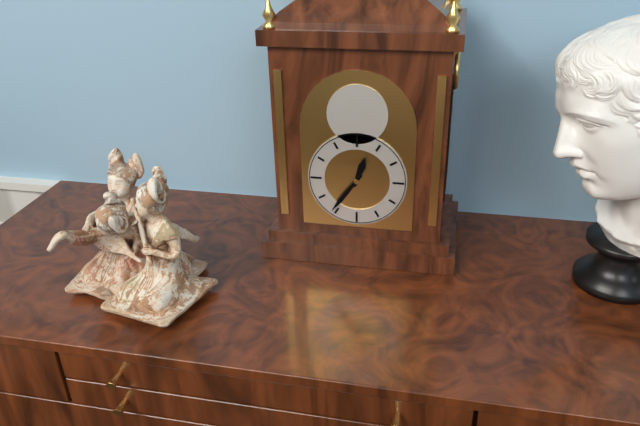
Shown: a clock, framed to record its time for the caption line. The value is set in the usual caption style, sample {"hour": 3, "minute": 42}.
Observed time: {"hour": 12, "minute": 36}
